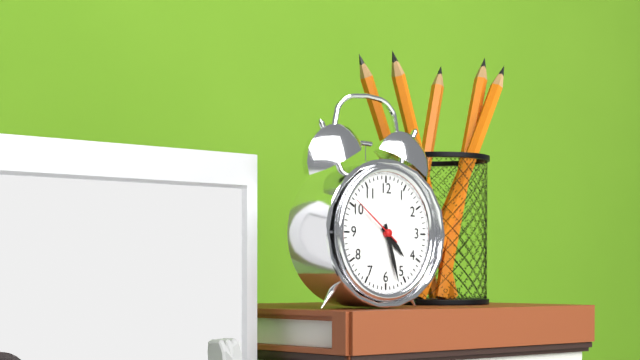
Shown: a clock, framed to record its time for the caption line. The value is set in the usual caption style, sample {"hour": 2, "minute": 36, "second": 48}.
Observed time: {"hour": 4, "minute": 27, "second": 51}
